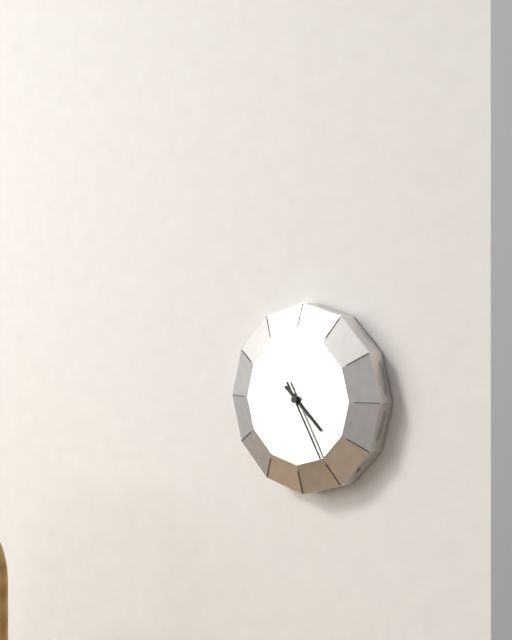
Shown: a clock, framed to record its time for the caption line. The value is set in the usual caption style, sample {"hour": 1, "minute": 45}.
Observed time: {"hour": 4, "minute": 25}
